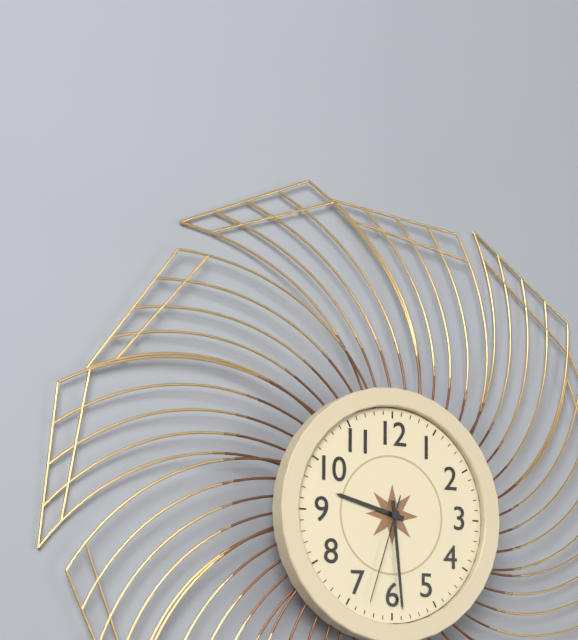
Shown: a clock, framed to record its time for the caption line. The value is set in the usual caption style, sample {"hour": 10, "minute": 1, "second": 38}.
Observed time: {"hour": 9, "minute": 29, "second": 33}
